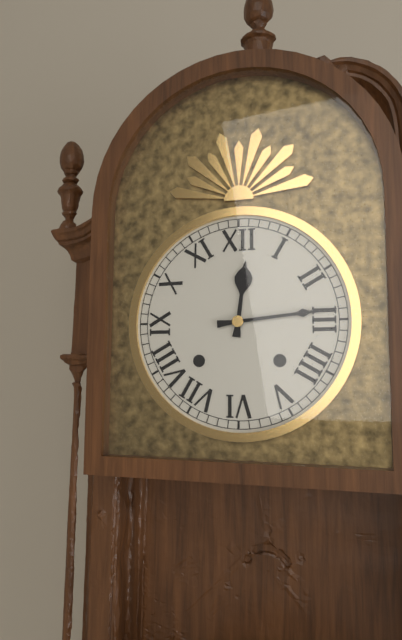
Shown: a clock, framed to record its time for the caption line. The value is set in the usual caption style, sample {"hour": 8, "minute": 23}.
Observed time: {"hour": 12, "minute": 14}
